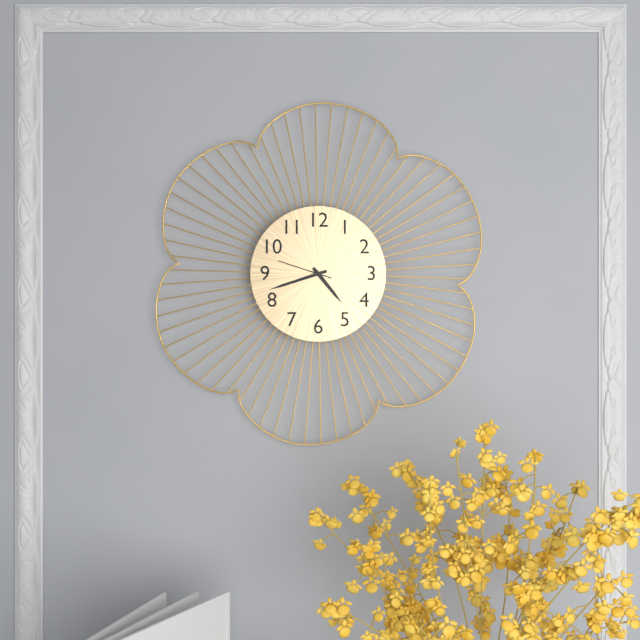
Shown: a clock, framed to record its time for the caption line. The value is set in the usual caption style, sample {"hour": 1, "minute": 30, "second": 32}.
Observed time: {"hour": 4, "minute": 42, "second": 48}
